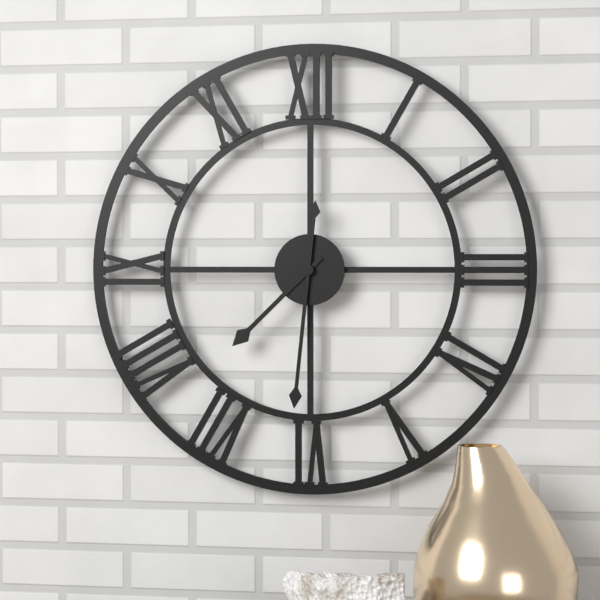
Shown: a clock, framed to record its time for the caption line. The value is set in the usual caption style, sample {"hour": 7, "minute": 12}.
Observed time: {"hour": 7, "minute": 31}
